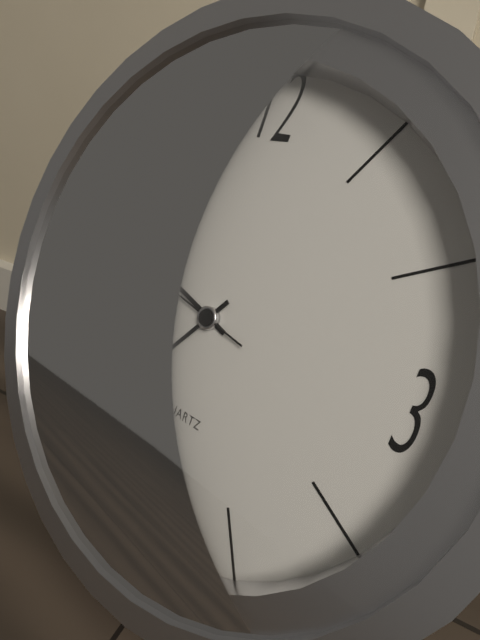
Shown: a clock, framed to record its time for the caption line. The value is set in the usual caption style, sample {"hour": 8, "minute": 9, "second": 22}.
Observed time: {"hour": 9, "minute": 36, "second": 47}
